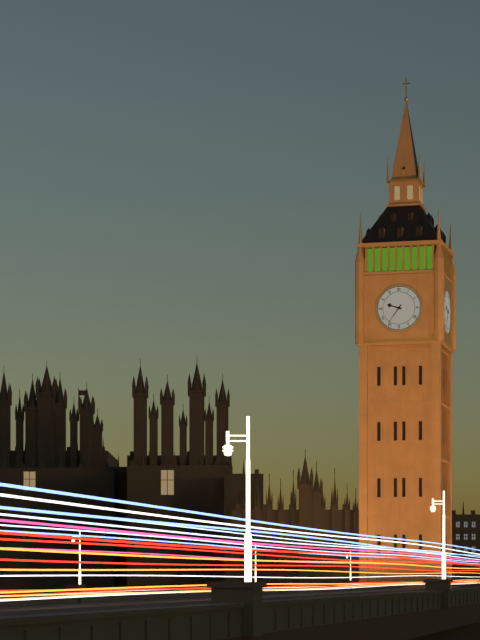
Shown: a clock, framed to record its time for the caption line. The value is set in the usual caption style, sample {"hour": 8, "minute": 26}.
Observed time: {"hour": 9, "minute": 36}
